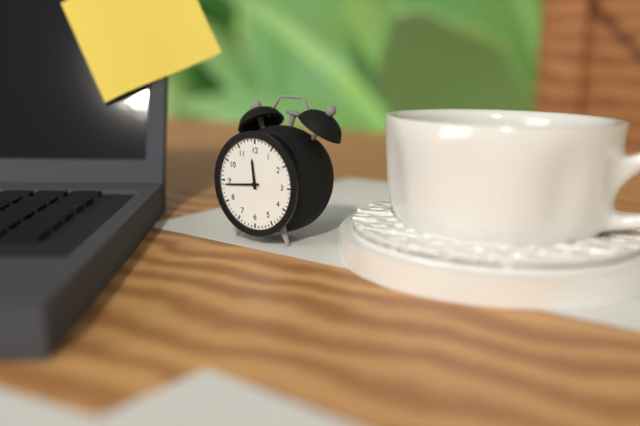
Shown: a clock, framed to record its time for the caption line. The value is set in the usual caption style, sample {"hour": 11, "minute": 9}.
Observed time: {"hour": 11, "minute": 44}
